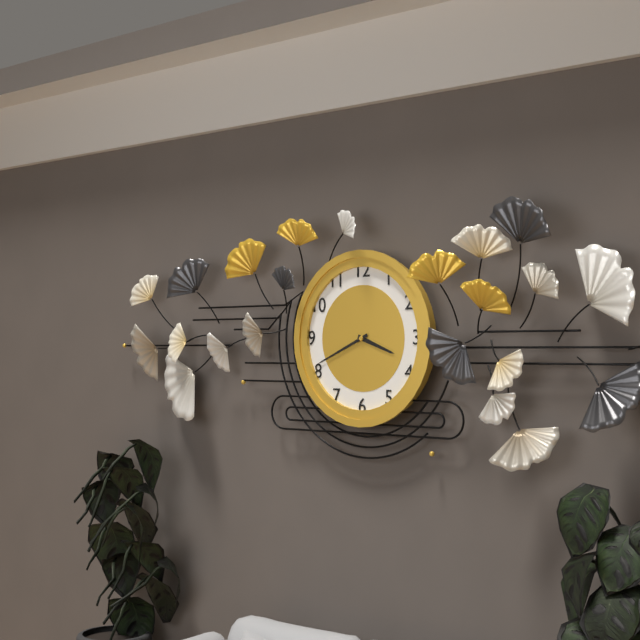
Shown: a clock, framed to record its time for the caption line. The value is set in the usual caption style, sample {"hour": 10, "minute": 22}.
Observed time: {"hour": 3, "minute": 41}
